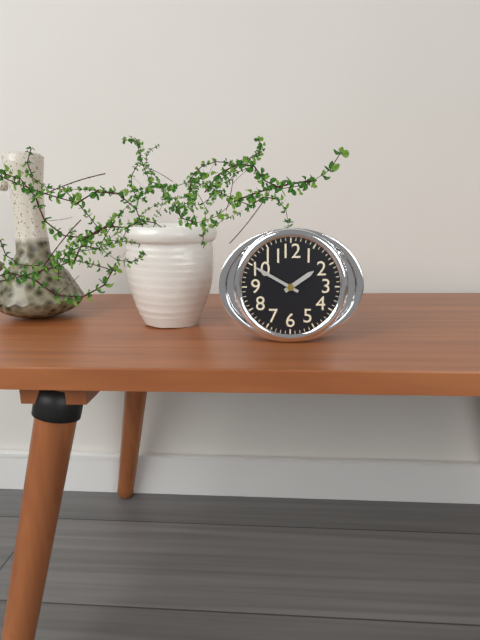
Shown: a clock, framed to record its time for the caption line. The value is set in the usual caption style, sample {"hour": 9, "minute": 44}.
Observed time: {"hour": 1, "minute": 50}
